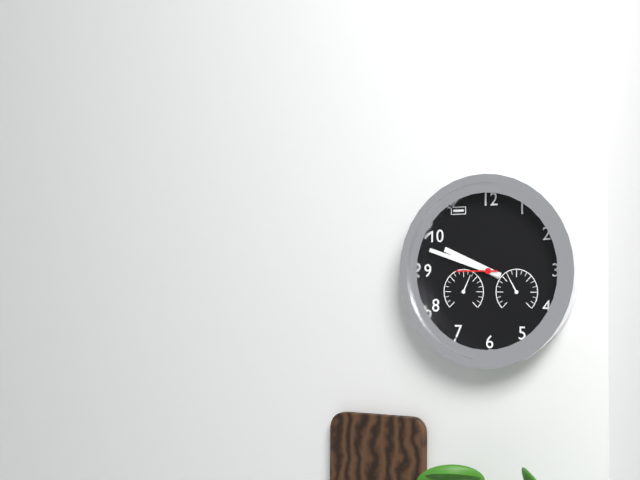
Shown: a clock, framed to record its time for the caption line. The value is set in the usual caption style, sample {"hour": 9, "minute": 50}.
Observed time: {"hour": 9, "minute": 48}
